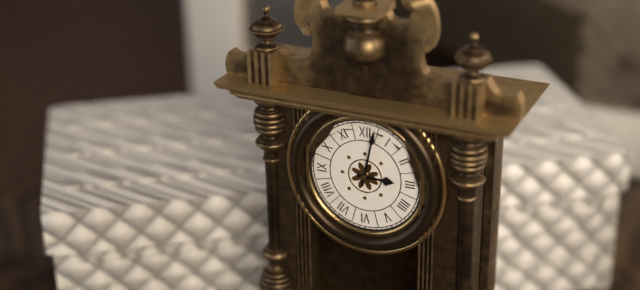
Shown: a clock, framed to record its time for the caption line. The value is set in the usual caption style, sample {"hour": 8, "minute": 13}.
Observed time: {"hour": 3, "minute": 2}
